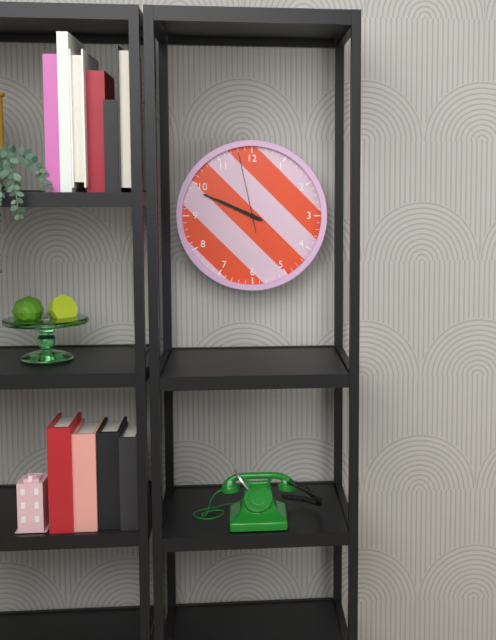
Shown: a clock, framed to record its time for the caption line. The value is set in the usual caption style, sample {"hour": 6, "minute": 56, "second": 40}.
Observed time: {"hour": 9, "minute": 49, "second": 58}
